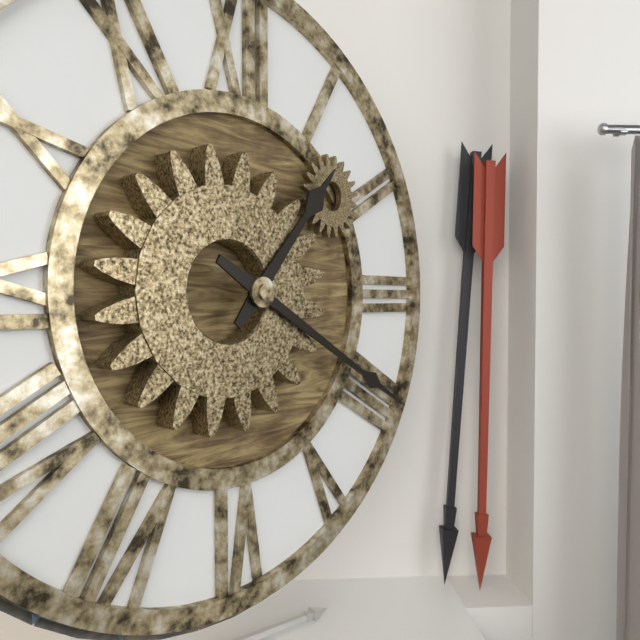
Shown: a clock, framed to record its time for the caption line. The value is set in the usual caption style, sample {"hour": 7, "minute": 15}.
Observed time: {"hour": 1, "minute": 20}
